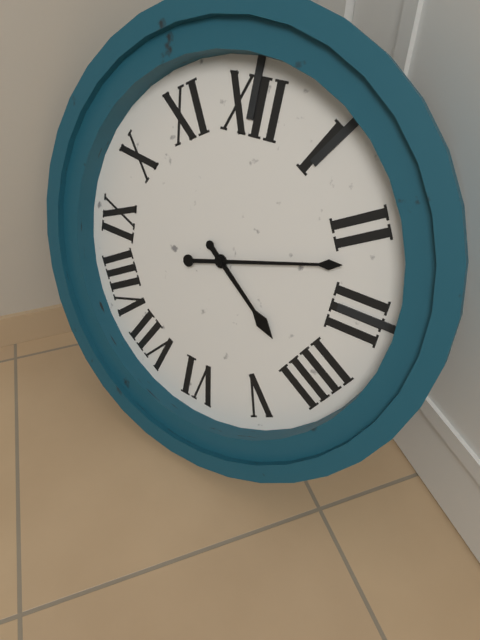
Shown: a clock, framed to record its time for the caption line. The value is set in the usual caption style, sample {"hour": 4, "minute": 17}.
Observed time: {"hour": 4, "minute": 12}
